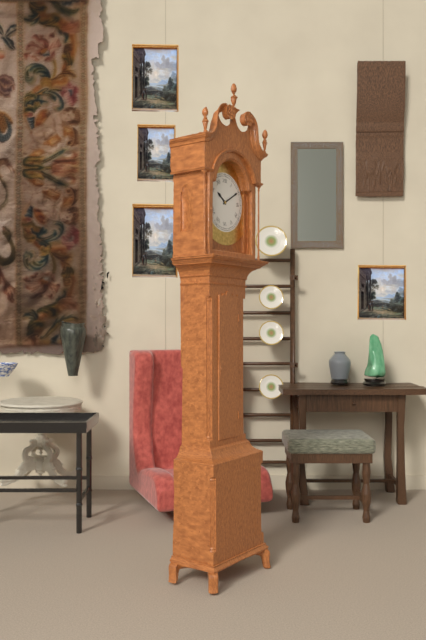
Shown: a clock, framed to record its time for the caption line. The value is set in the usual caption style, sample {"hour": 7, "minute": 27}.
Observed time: {"hour": 10, "minute": 10}
